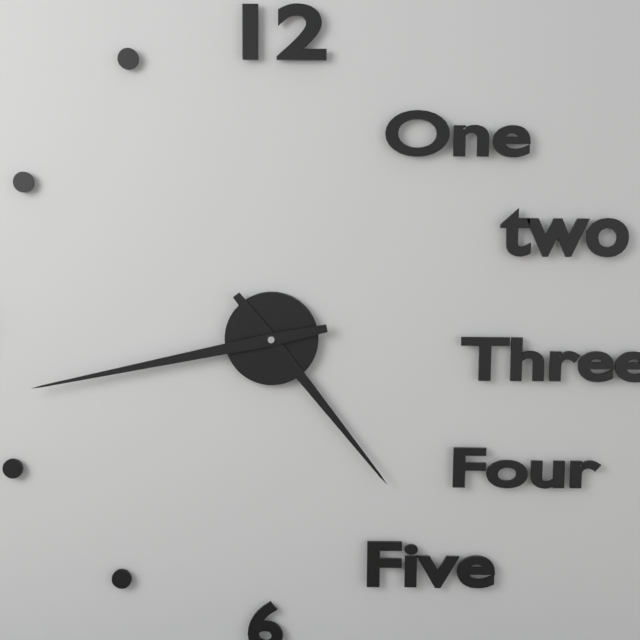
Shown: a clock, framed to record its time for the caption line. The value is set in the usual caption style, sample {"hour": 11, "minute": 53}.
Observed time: {"hour": 4, "minute": 43}
